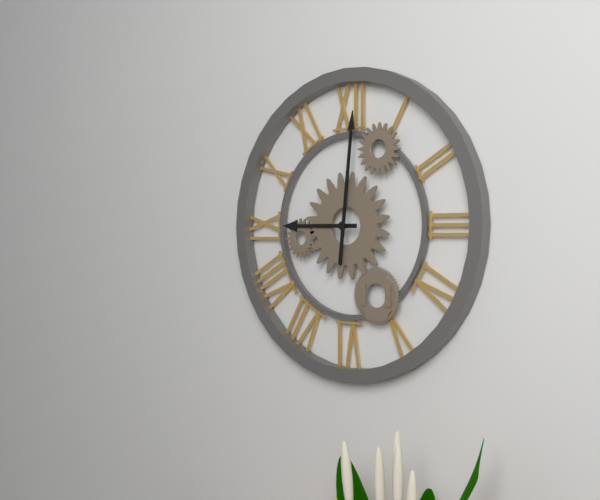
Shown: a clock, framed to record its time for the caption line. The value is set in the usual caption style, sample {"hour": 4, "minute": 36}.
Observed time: {"hour": 9, "minute": 1}
